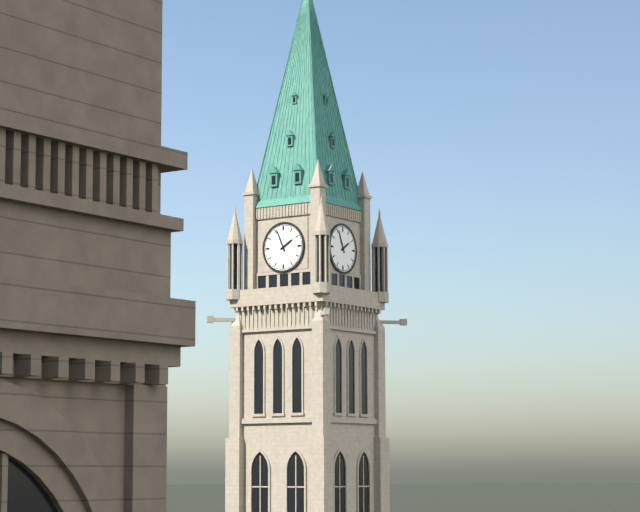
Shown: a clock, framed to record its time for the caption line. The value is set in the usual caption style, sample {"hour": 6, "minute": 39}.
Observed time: {"hour": 1, "minute": 56}
